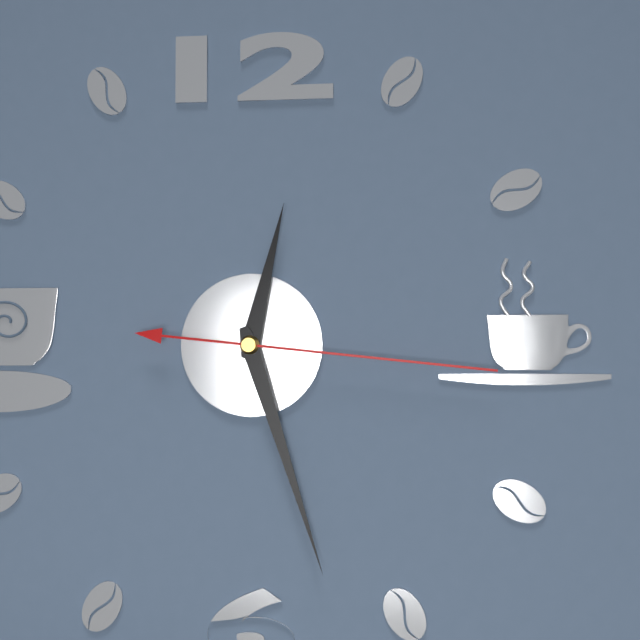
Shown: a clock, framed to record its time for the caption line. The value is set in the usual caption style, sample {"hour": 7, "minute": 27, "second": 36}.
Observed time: {"hour": 12, "minute": 27, "second": 16}
